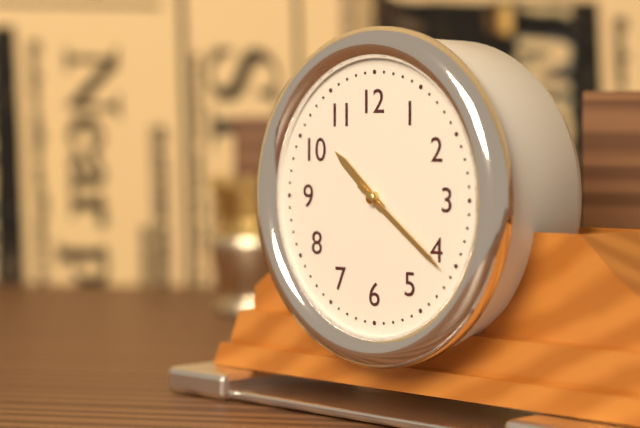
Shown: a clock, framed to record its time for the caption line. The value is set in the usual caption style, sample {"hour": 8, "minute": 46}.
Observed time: {"hour": 10, "minute": 21}
